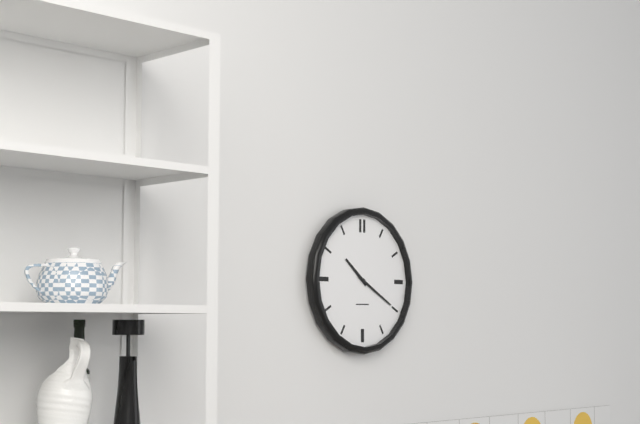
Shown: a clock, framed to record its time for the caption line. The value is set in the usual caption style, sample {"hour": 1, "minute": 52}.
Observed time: {"hour": 10, "minute": 20}
